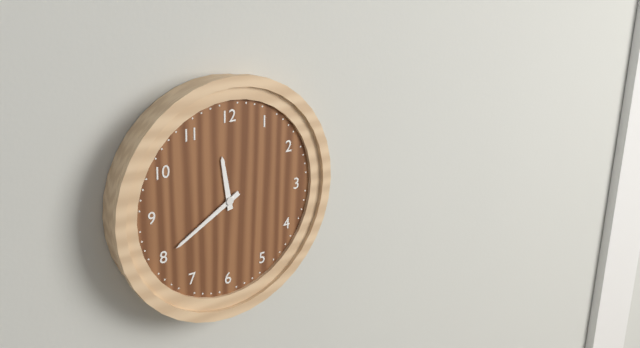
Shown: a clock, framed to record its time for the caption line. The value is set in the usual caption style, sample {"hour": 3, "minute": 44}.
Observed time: {"hour": 11, "minute": 40}
